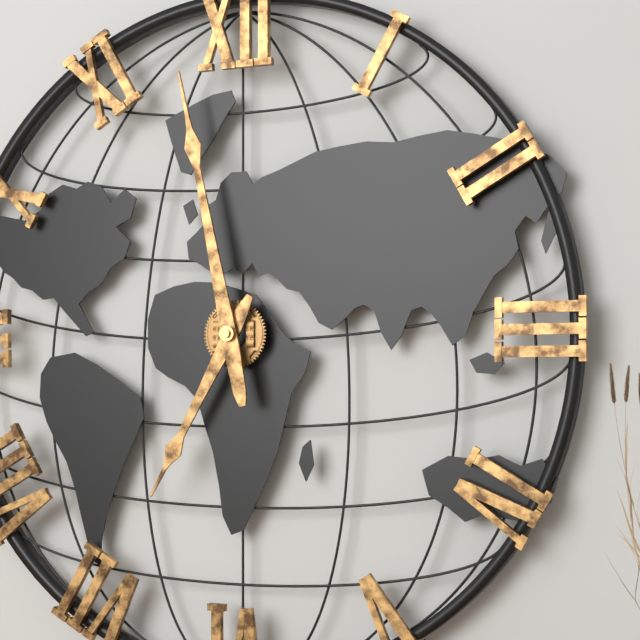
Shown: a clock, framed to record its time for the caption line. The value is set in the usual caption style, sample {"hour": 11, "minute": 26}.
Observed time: {"hour": 6, "minute": 58}
